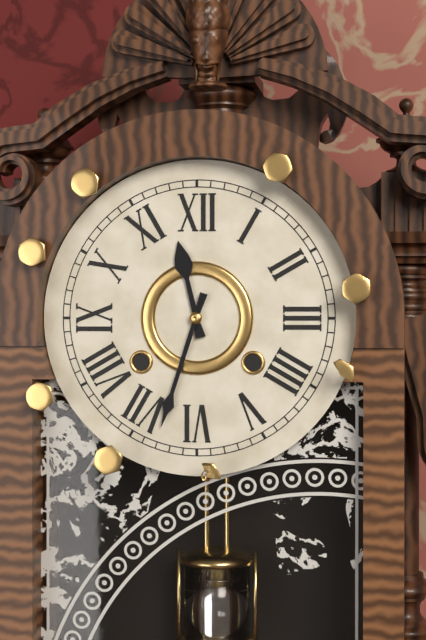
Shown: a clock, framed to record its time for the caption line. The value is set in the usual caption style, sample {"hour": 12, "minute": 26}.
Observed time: {"hour": 11, "minute": 33}
